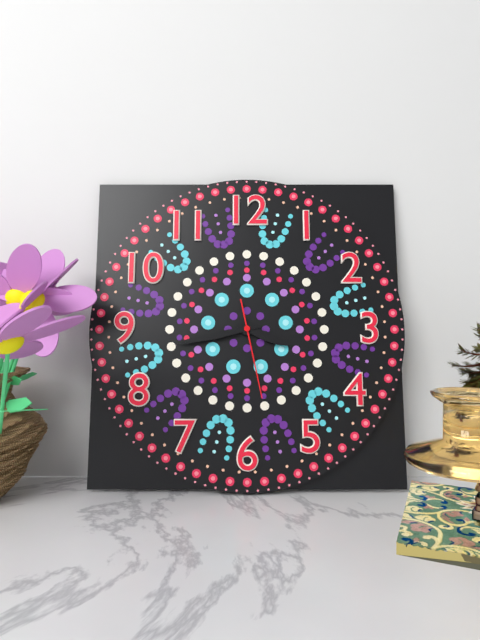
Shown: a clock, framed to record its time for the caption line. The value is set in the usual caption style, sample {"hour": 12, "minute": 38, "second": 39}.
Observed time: {"hour": 3, "minute": 43, "second": 28}
